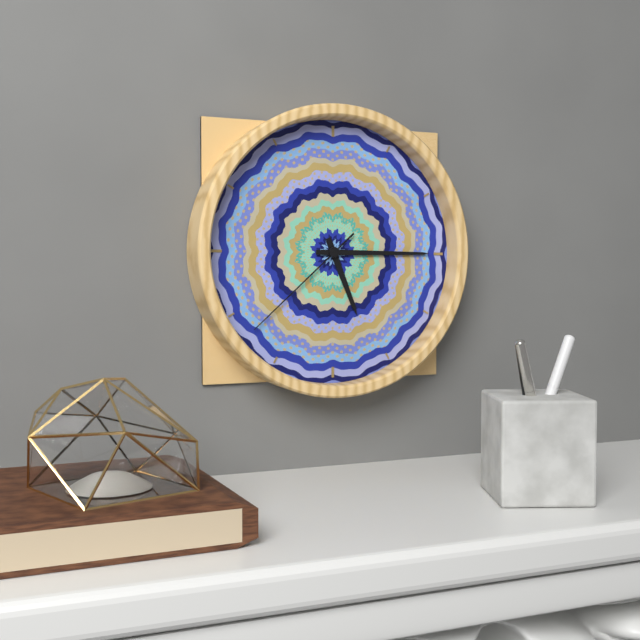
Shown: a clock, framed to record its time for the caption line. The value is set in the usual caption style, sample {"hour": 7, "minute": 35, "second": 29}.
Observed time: {"hour": 5, "minute": 15, "second": 38}
